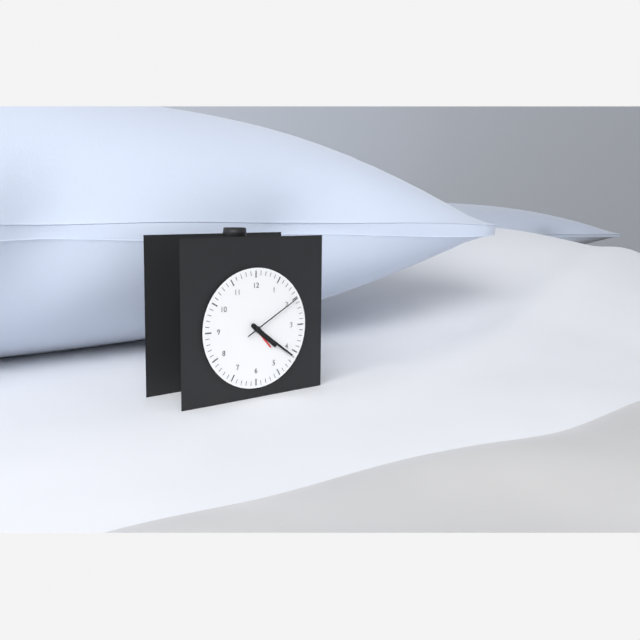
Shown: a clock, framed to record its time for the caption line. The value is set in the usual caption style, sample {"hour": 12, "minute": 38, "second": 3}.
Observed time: {"hour": 4, "minute": 21, "second": 10}
